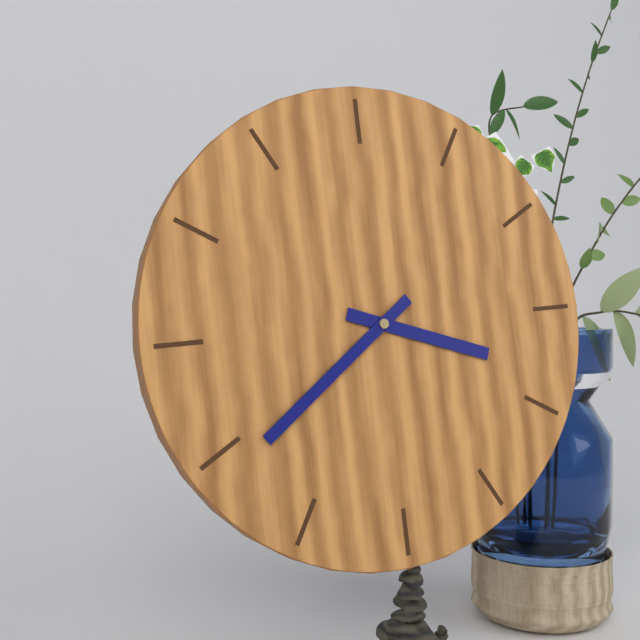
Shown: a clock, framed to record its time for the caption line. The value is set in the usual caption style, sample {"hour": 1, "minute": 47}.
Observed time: {"hour": 3, "minute": 39}
